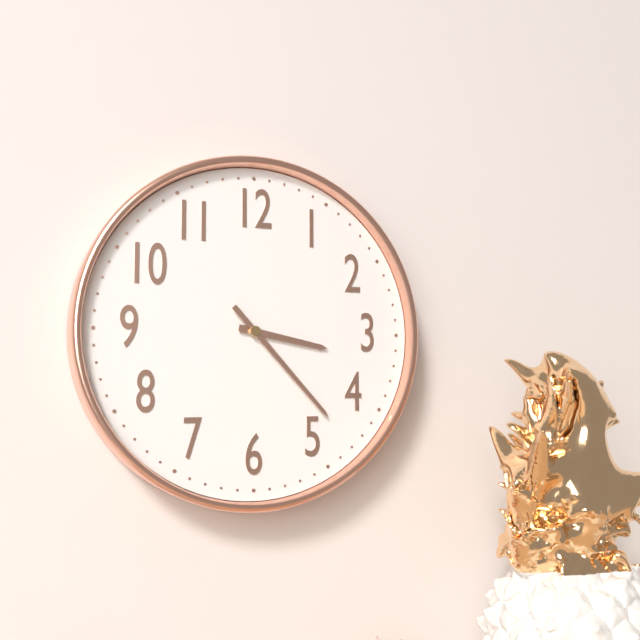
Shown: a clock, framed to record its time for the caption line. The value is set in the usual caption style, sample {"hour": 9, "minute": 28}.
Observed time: {"hour": 3, "minute": 23}
